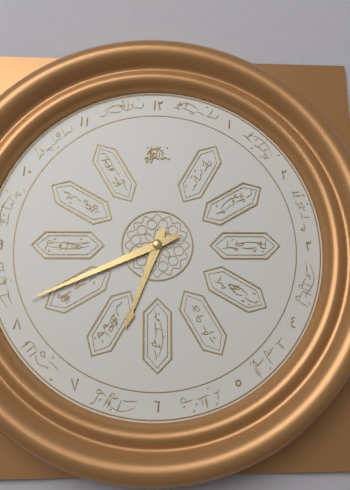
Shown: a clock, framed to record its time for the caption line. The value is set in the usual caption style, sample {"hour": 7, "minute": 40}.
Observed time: {"hour": 6, "minute": 41}
